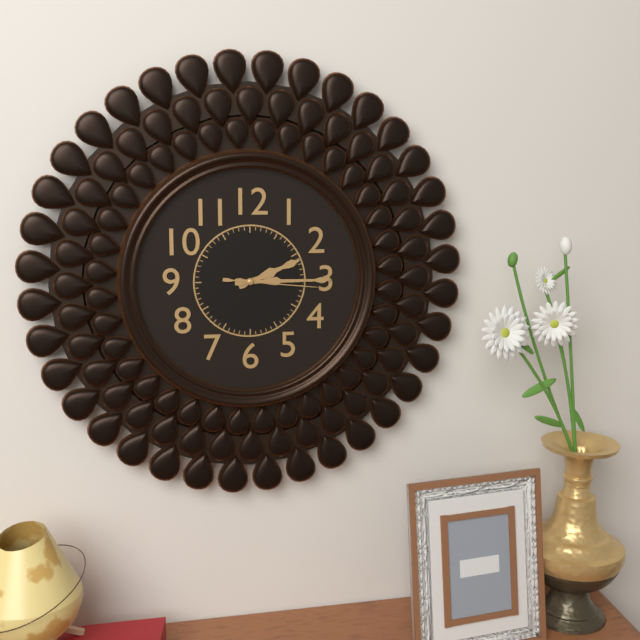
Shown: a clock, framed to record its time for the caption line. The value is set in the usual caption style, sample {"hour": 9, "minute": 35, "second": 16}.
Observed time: {"hour": 2, "minute": 15, "second": 16}
